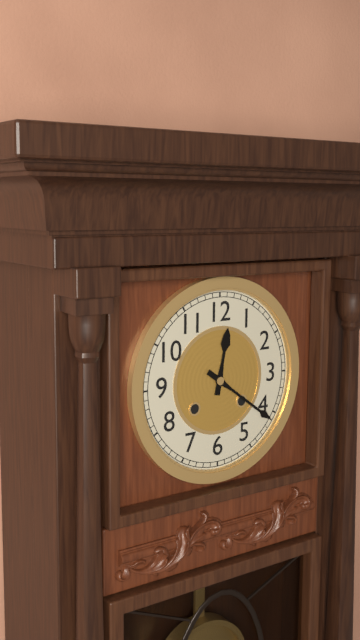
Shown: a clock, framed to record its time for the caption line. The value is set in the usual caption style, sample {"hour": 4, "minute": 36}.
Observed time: {"hour": 12, "minute": 21}
